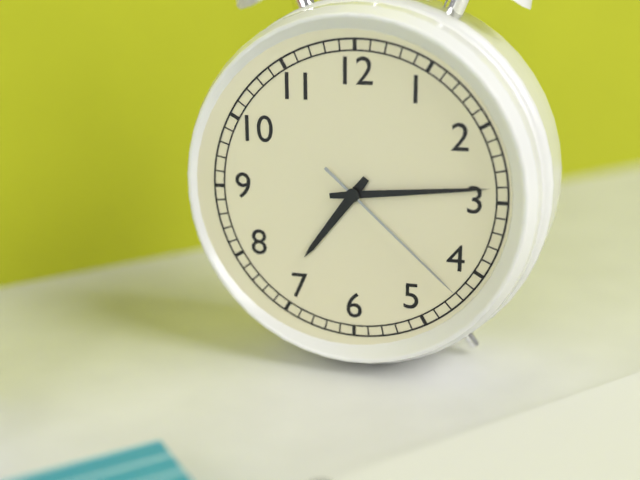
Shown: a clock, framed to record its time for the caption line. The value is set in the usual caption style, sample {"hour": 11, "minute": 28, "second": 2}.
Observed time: {"hour": 7, "minute": 14, "second": 22}
